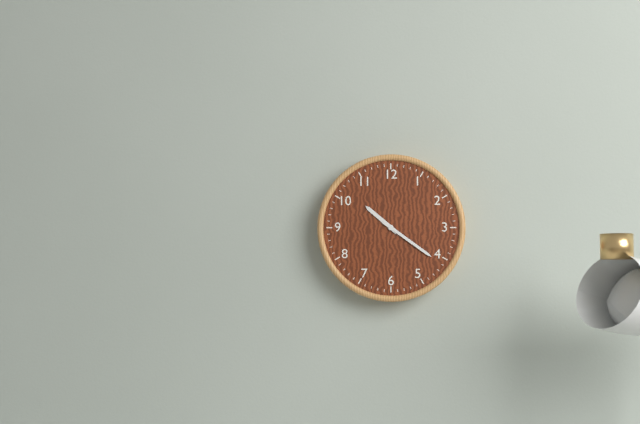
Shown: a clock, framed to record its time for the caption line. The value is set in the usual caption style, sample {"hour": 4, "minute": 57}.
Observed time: {"hour": 10, "minute": 21}
